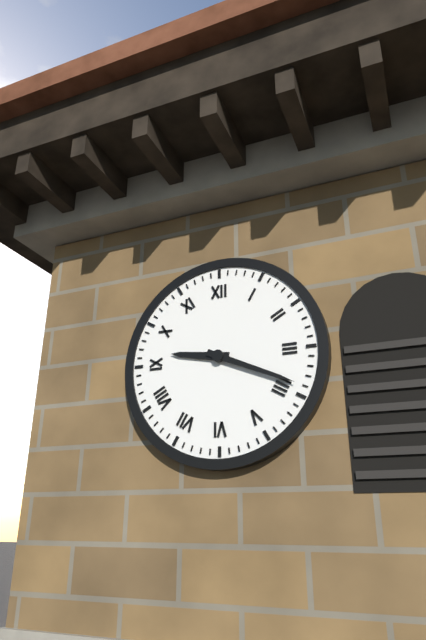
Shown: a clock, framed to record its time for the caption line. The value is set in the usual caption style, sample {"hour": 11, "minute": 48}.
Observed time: {"hour": 9, "minute": 19}
